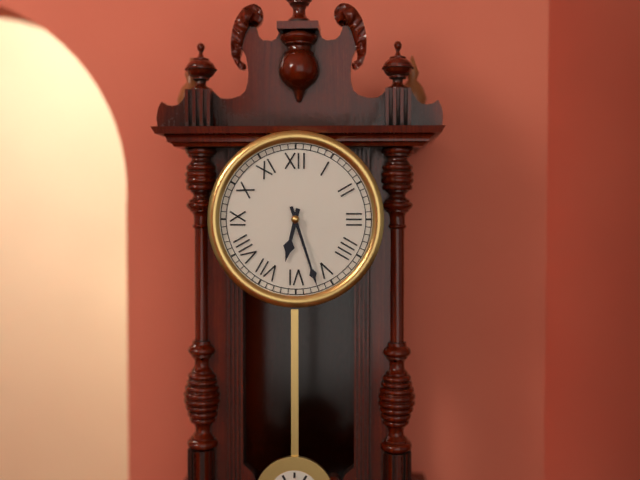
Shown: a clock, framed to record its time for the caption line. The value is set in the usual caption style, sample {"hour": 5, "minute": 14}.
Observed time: {"hour": 6, "minute": 27}
